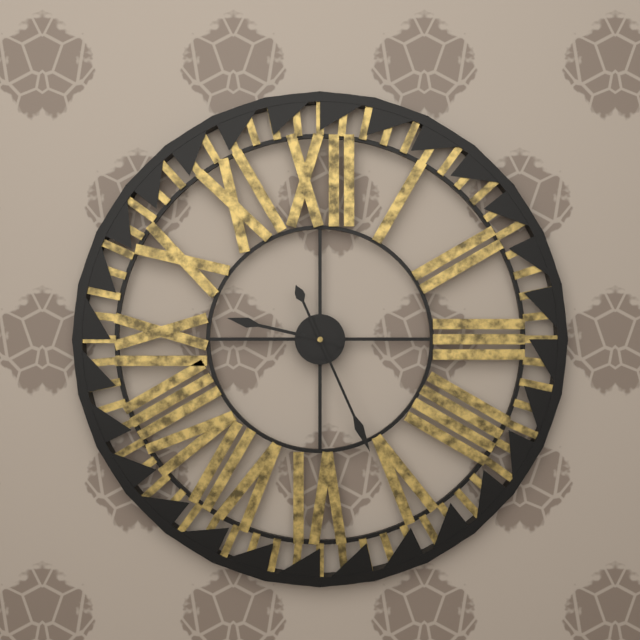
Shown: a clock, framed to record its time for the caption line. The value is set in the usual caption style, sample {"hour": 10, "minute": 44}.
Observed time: {"hour": 9, "minute": 26}
